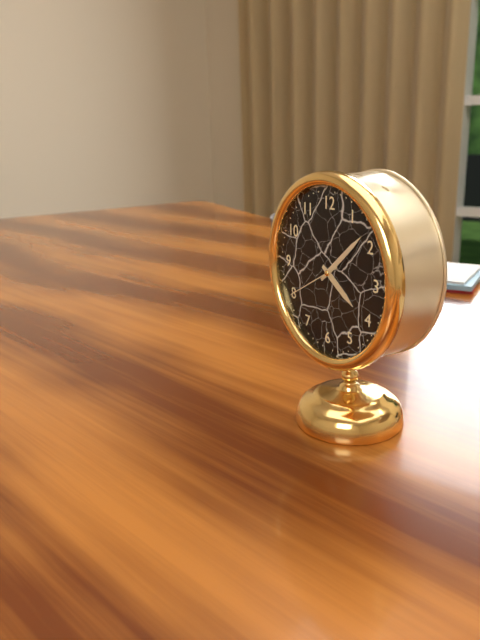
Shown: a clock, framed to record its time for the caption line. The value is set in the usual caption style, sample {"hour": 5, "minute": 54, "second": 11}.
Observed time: {"hour": 4, "minute": 8, "second": 40}
